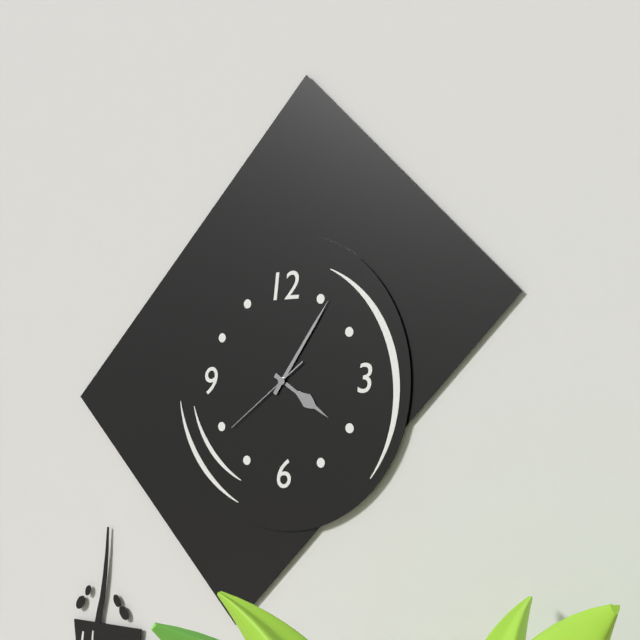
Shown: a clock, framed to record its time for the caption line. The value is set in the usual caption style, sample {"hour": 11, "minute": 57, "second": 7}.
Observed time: {"hour": 4, "minute": 6, "second": 39}
